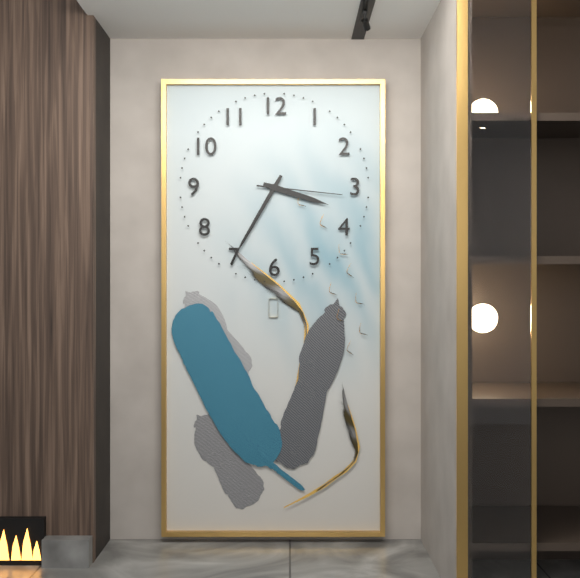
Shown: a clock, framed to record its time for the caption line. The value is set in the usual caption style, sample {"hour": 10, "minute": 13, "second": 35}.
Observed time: {"hour": 3, "minute": 35, "second": 16}
